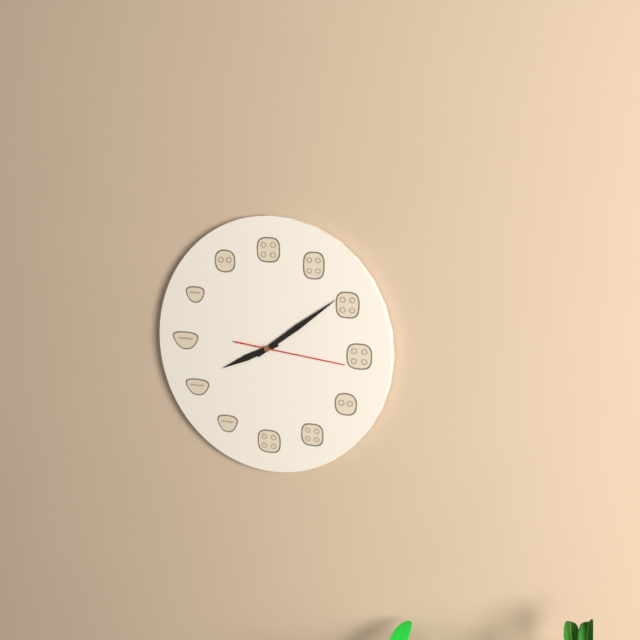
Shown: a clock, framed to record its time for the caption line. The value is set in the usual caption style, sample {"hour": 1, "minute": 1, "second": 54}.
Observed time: {"hour": 8, "minute": 9, "second": 16}
